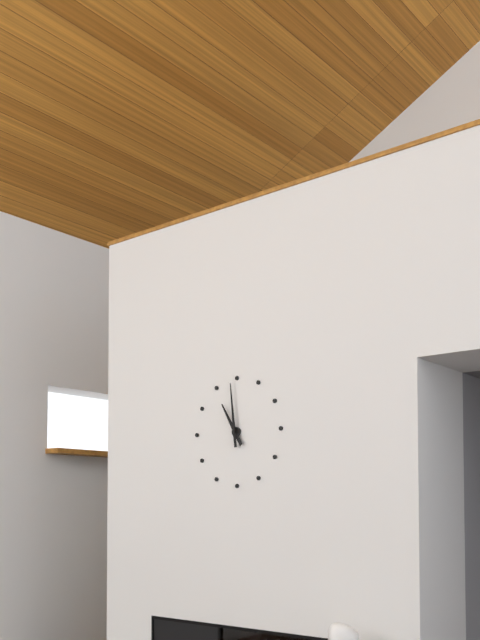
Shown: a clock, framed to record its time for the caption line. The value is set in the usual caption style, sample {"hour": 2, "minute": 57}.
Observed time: {"hour": 10, "minute": 59}
